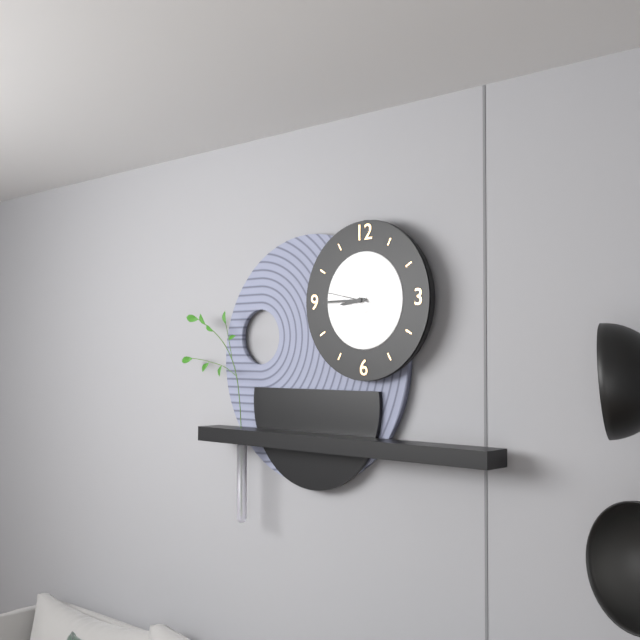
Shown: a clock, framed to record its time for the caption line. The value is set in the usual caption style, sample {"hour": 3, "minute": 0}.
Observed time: {"hour": 8, "minute": 45}
